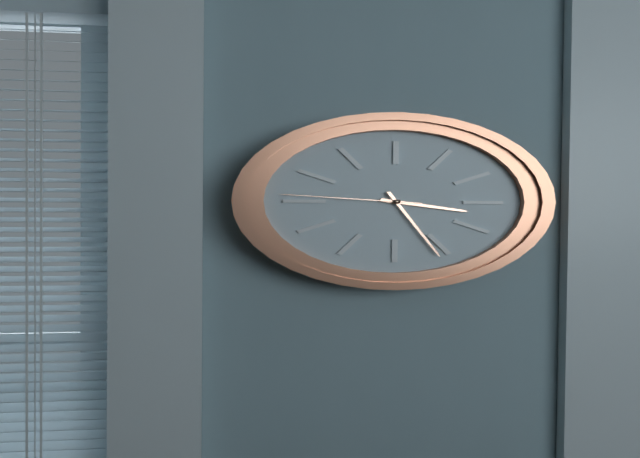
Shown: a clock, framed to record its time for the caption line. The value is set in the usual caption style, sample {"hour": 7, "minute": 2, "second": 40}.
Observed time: {"hour": 3, "minute": 26, "second": 46}
